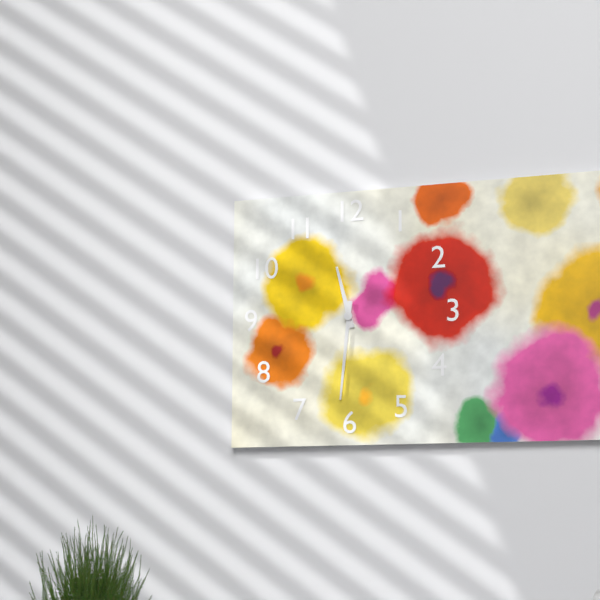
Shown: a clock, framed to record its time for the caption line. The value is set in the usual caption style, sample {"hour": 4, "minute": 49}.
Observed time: {"hour": 11, "minute": 31}
